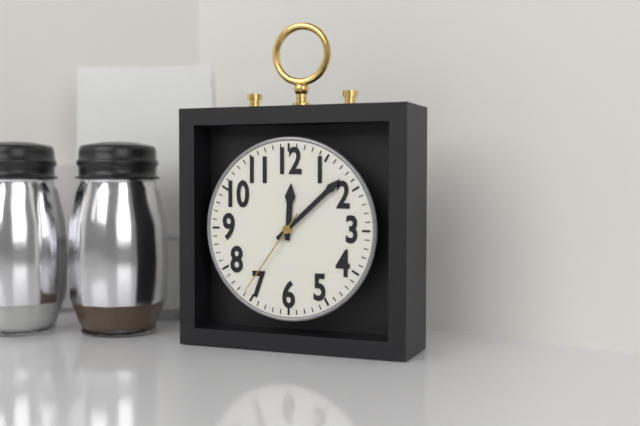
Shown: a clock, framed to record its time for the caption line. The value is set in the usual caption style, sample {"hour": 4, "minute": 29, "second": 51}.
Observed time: {"hour": 12, "minute": 8, "second": 36}
